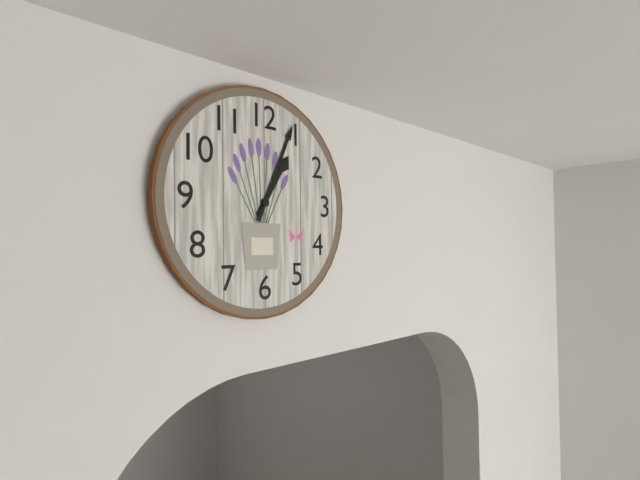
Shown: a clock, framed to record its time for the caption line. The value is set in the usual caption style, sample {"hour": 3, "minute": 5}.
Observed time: {"hour": 1, "minute": 4}
